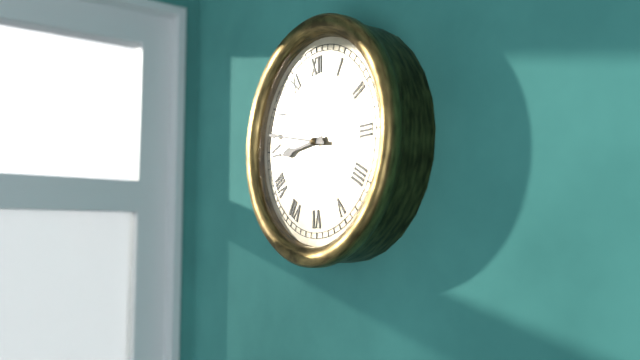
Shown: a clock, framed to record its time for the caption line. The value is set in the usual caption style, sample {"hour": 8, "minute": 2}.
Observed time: {"hour": 8, "minute": 47}
